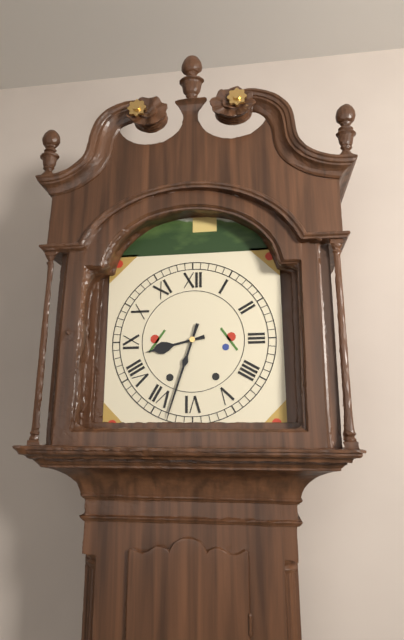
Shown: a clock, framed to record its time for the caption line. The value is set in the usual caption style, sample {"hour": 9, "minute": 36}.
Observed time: {"hour": 8, "minute": 33}
